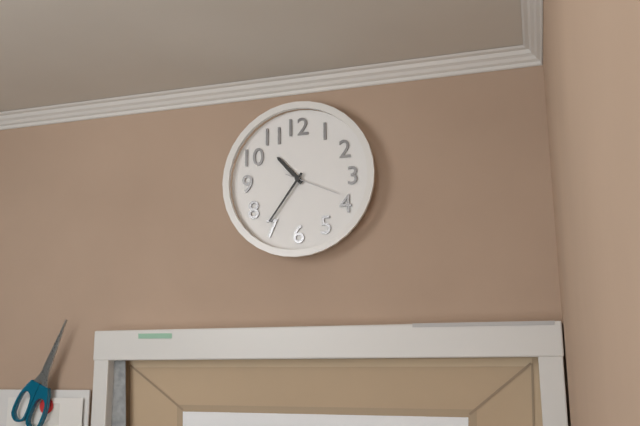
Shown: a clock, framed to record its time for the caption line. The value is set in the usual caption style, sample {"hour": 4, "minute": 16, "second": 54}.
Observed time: {"hour": 10, "minute": 36, "second": 19}
